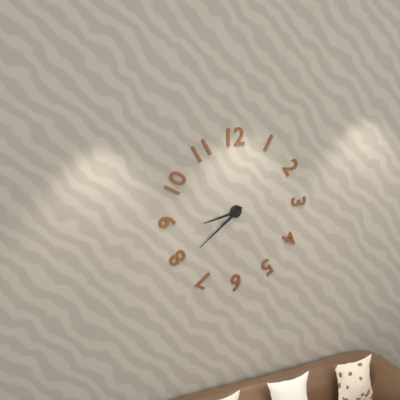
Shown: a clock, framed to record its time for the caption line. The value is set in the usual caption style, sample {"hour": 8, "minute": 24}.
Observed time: {"hour": 8, "minute": 39}
